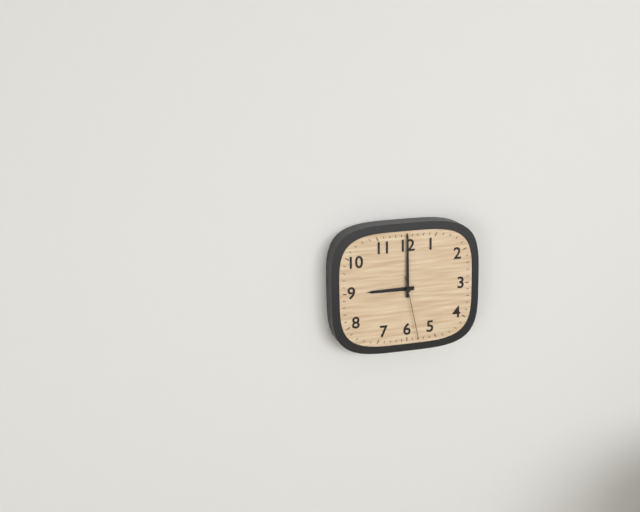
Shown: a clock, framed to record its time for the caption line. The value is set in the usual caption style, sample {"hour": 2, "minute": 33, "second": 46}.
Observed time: {"hour": 9, "minute": 0, "second": 28}
